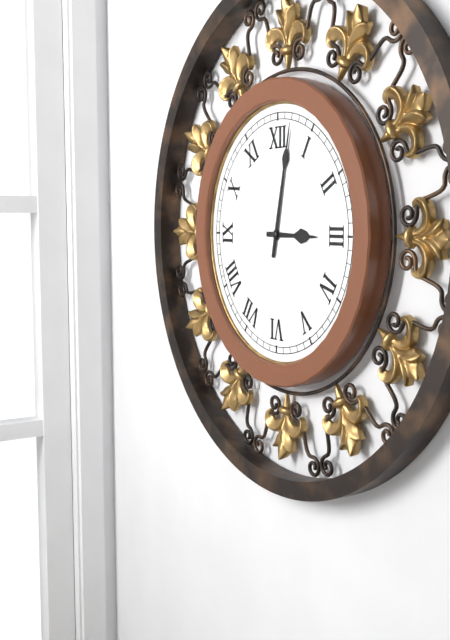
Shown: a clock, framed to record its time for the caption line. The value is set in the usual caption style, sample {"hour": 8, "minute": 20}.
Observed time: {"hour": 3, "minute": 2}
